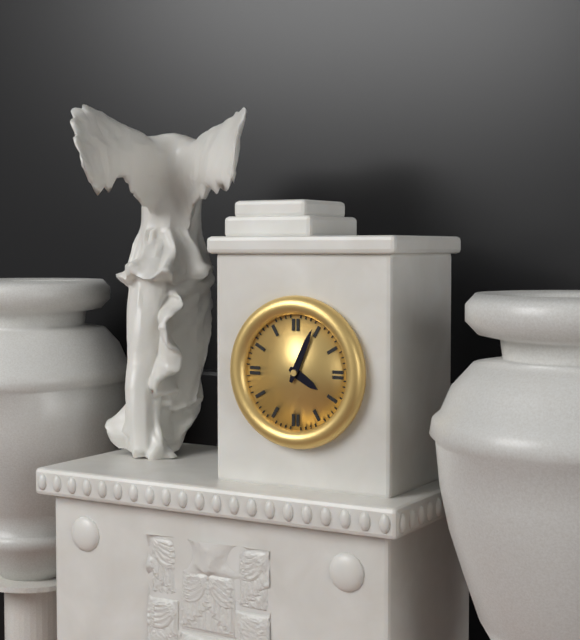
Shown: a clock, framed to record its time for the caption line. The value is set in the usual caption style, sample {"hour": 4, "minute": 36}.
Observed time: {"hour": 4, "minute": 4}
